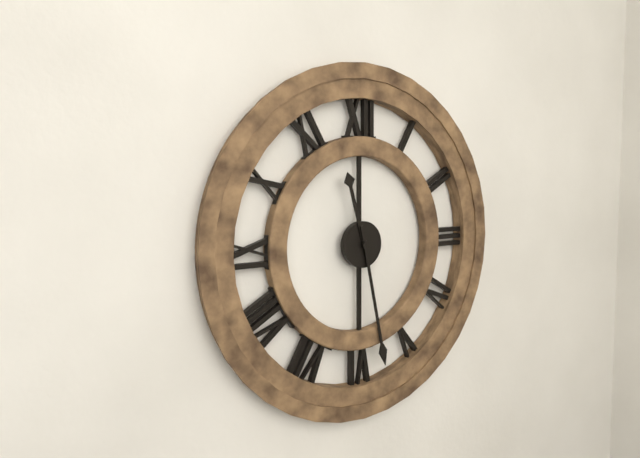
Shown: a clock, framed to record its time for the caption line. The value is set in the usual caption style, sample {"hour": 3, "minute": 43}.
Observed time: {"hour": 11, "minute": 28}
